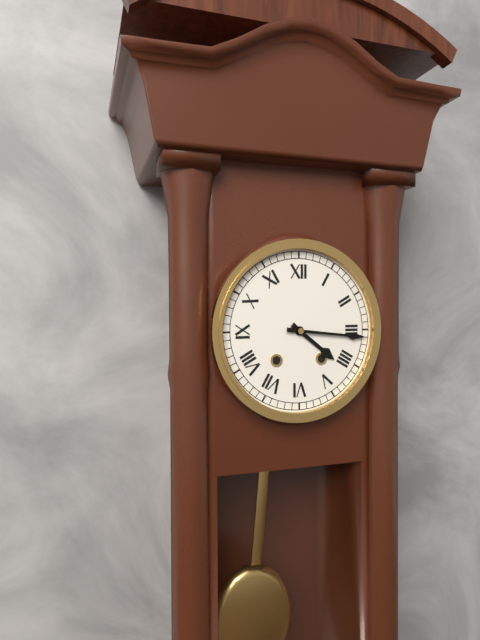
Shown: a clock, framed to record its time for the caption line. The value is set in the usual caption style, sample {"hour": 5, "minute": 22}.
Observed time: {"hour": 4, "minute": 16}
